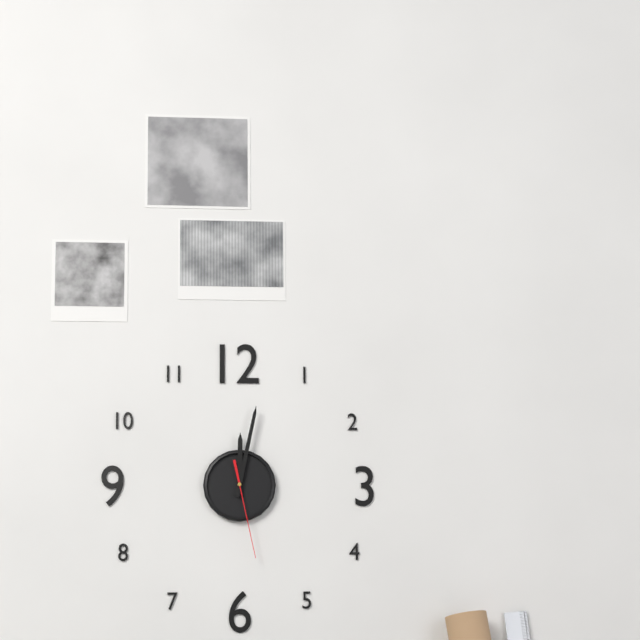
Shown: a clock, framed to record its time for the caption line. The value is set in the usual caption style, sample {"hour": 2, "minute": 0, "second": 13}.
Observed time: {"hour": 12, "minute": 2, "second": 28}
